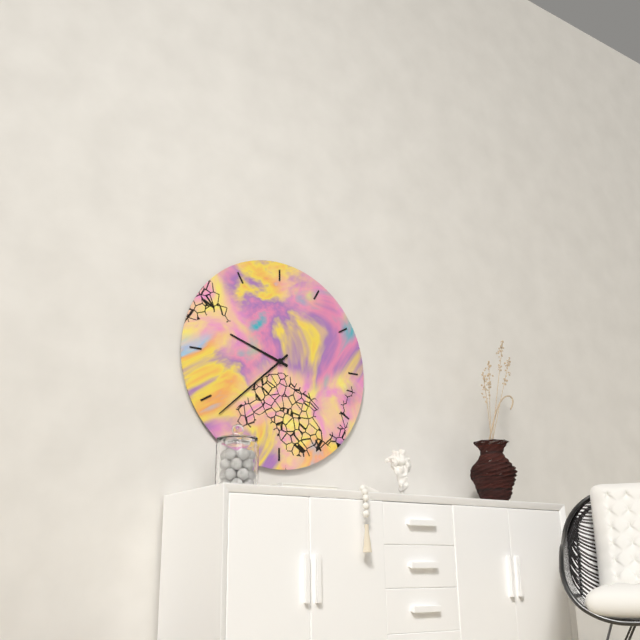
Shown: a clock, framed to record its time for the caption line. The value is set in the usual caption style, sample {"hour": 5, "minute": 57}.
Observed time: {"hour": 9, "minute": 38}
